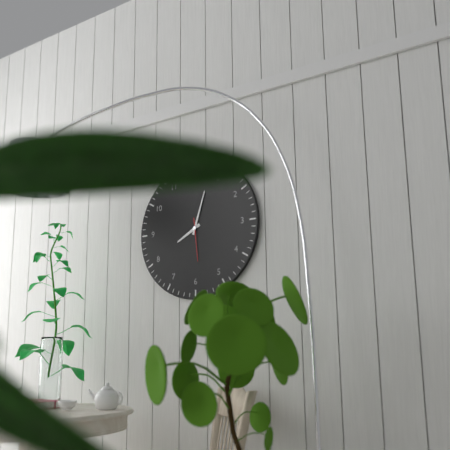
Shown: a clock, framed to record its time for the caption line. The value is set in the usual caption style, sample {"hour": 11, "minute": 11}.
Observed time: {"hour": 8, "minute": 3}
